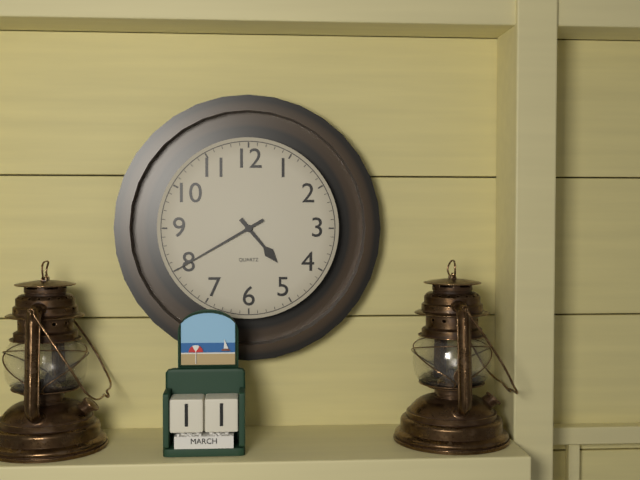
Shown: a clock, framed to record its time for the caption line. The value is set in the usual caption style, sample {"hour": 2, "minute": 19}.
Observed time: {"hour": 4, "minute": 40}
